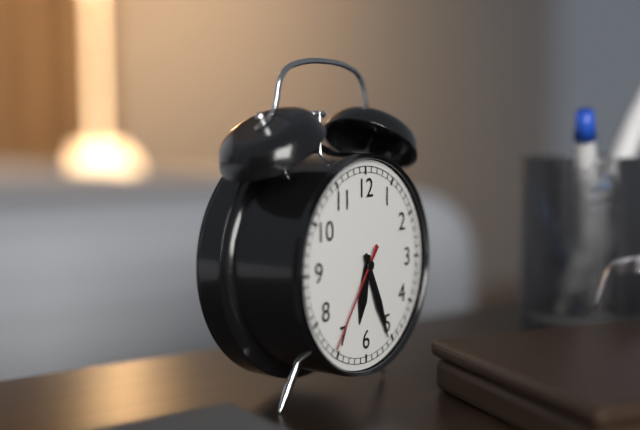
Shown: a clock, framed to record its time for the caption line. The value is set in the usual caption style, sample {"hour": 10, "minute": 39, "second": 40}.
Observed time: {"hour": 6, "minute": 26, "second": 36}
